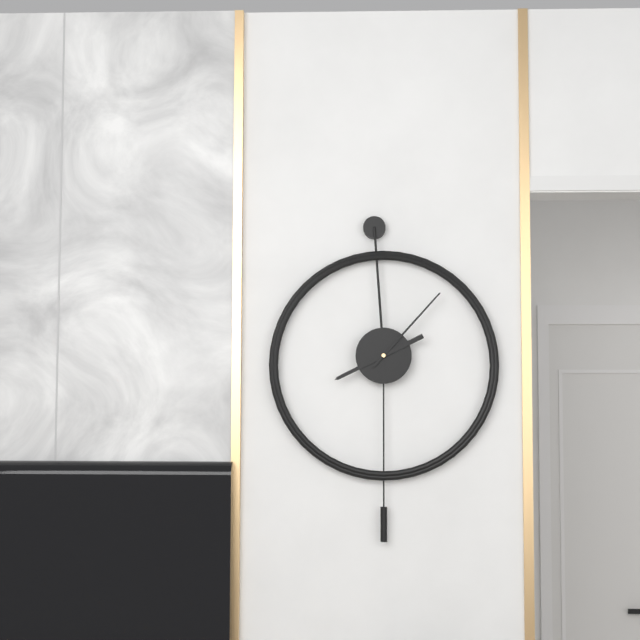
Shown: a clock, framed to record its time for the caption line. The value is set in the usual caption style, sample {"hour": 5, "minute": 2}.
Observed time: {"hour": 8, "minute": 7}
